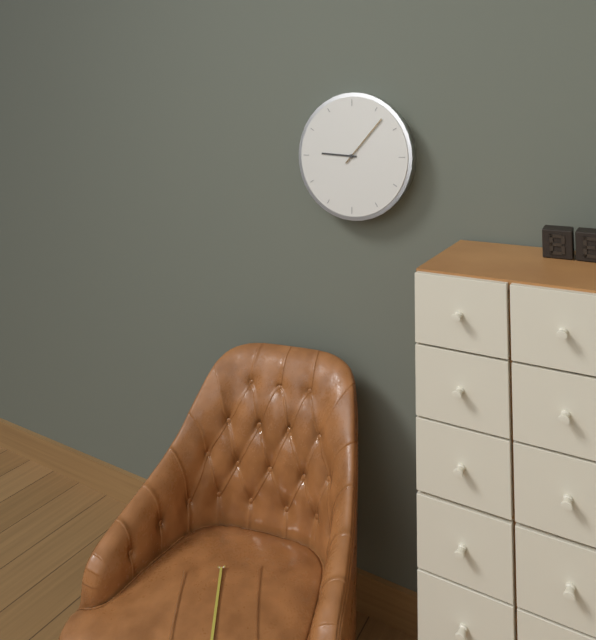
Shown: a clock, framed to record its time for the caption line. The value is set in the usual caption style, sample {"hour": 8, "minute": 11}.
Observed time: {"hour": 9, "minute": 7}
